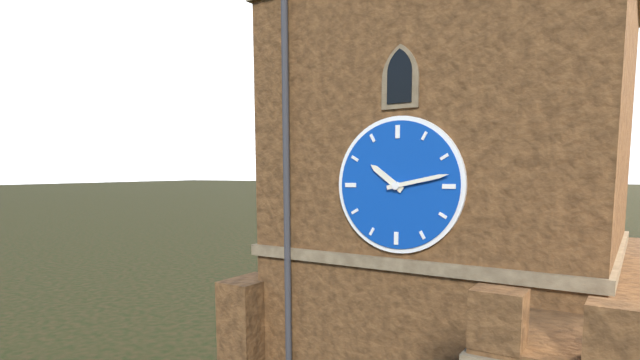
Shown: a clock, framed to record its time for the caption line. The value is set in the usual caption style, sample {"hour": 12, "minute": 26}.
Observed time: {"hour": 10, "minute": 13}
